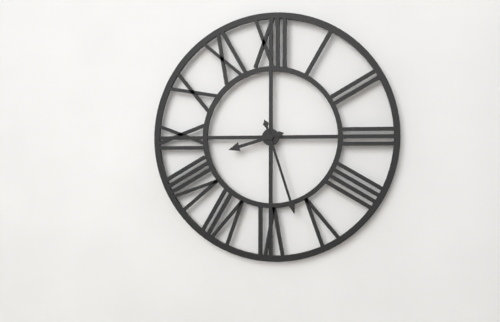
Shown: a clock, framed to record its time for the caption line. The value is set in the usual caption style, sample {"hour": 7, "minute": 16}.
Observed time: {"hour": 8, "minute": 27}
